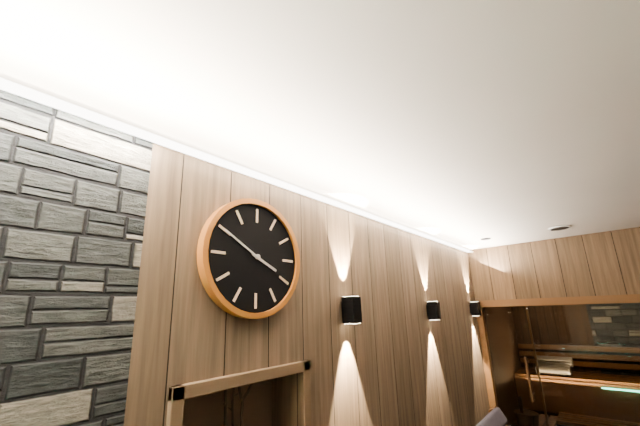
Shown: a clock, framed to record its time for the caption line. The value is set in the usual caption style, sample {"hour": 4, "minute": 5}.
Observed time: {"hour": 3, "minute": 50}
